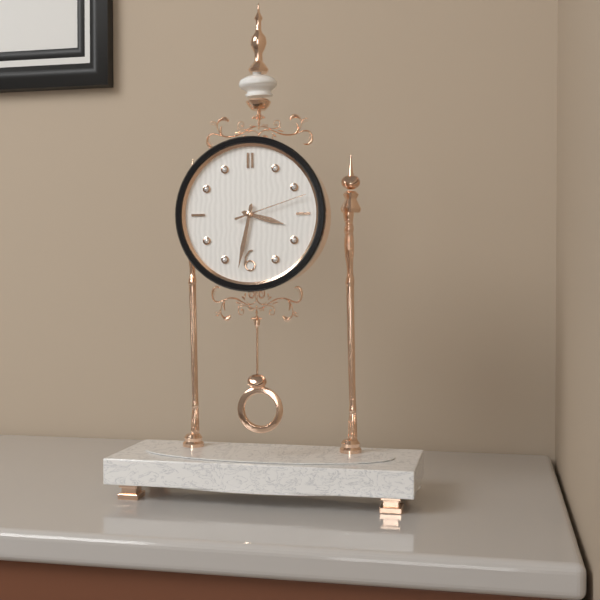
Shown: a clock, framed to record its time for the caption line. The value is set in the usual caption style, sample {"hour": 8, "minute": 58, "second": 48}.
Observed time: {"hour": 3, "minute": 32, "second": 12}
